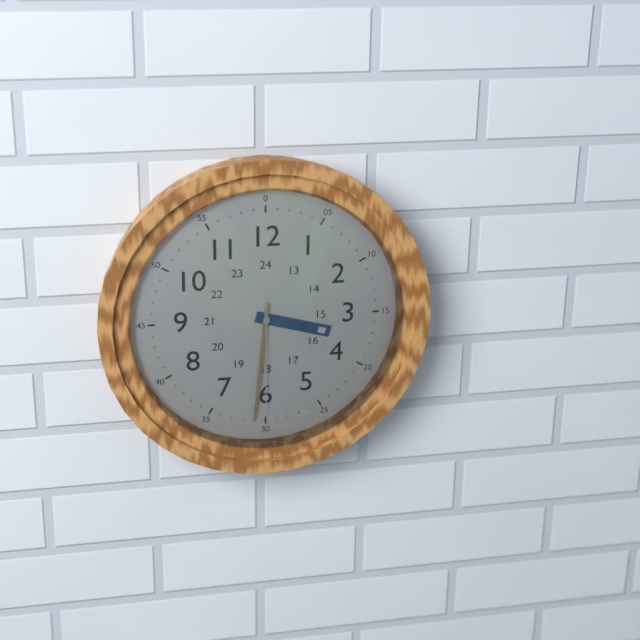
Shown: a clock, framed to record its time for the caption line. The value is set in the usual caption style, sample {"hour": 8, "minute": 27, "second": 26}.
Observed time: {"hour": 3, "minute": 31, "second": 30}
